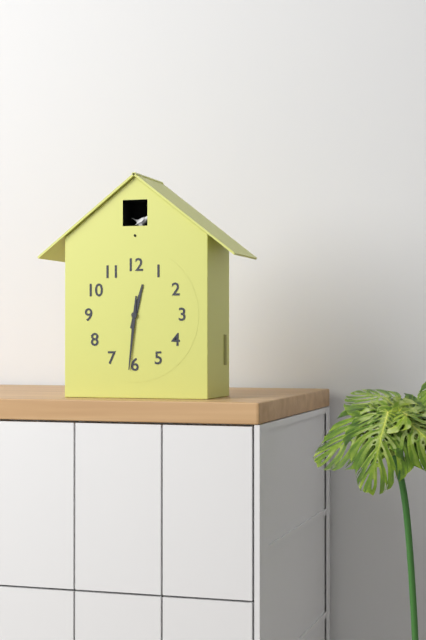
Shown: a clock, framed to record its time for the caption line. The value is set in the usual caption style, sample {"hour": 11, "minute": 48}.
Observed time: {"hour": 12, "minute": 31}
